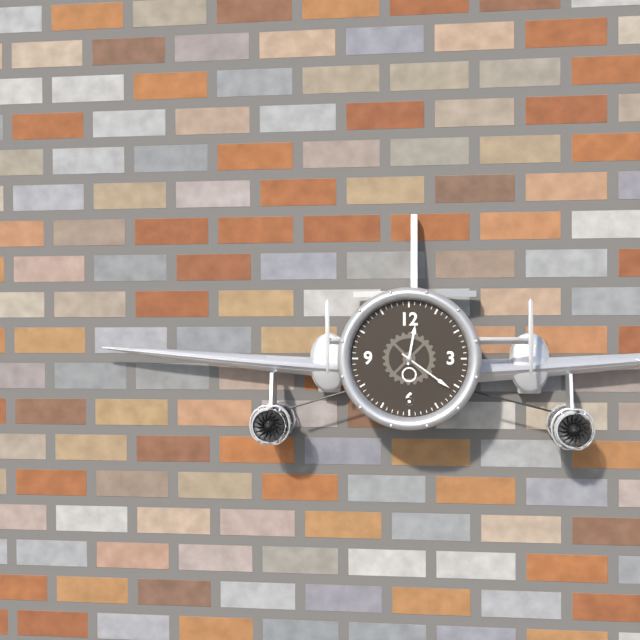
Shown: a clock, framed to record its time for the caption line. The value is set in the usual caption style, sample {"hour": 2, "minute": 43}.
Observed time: {"hour": 12, "minute": 21}
